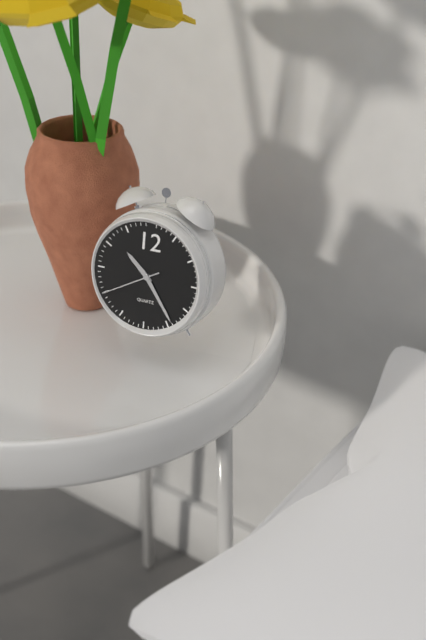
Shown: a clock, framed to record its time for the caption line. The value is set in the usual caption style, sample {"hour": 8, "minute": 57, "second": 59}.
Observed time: {"hour": 10, "minute": 24, "second": 40}
